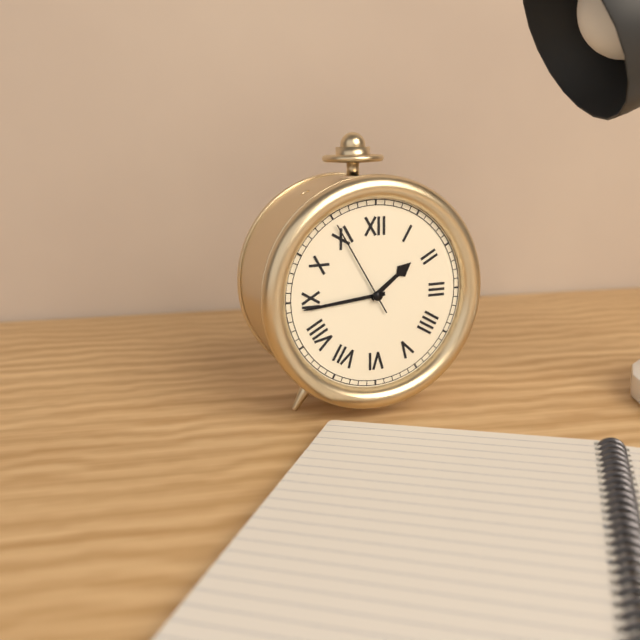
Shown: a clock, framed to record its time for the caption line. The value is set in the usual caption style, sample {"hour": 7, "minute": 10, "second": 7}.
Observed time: {"hour": 1, "minute": 44, "second": 55}
